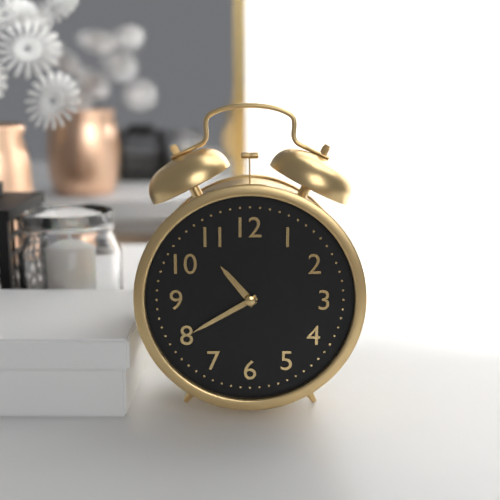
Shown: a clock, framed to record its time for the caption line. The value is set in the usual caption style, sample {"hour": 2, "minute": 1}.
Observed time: {"hour": 10, "minute": 40}
